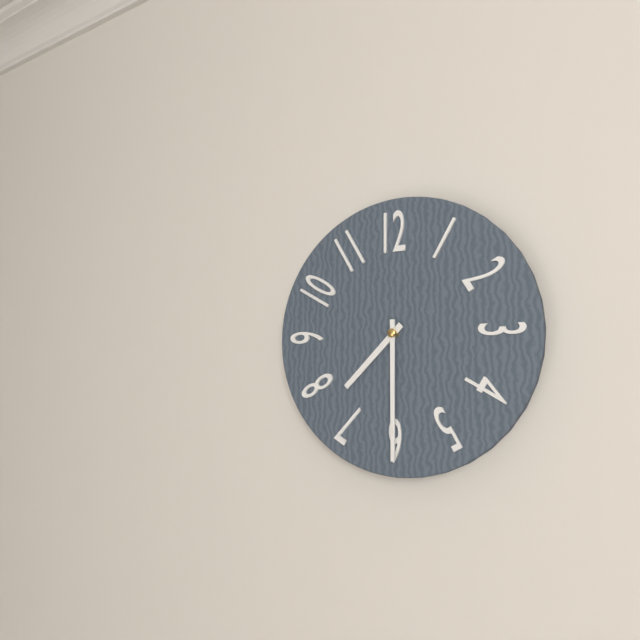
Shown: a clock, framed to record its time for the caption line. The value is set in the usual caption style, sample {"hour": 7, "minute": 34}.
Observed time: {"hour": 7, "minute": 30}
